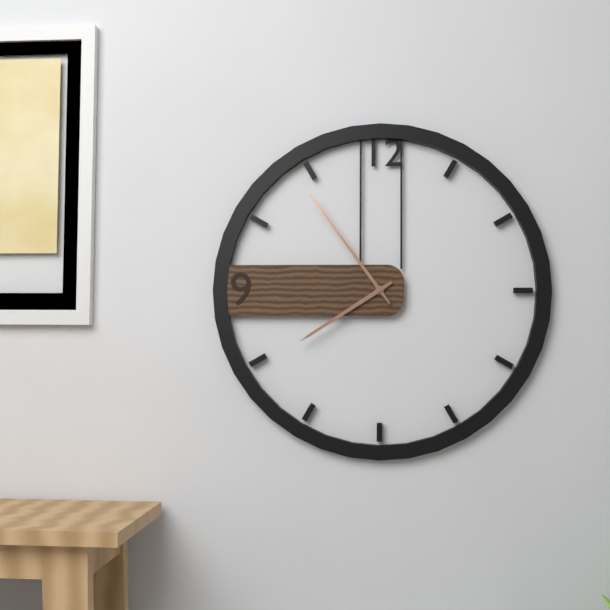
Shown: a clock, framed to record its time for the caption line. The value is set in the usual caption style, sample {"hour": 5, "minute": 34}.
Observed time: {"hour": 7, "minute": 54}
